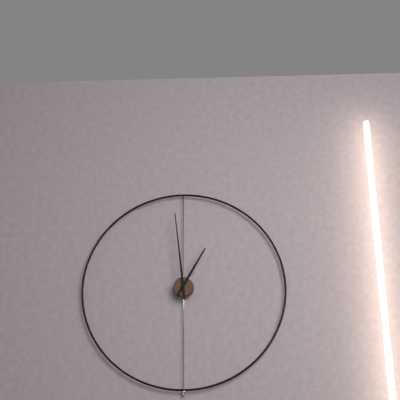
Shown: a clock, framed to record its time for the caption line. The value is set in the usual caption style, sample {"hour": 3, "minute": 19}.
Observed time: {"hour": 12, "minute": 59}
